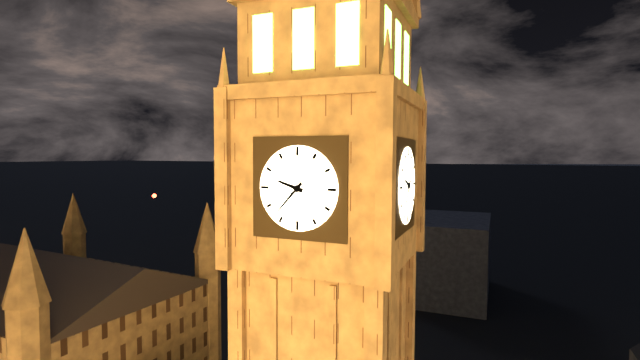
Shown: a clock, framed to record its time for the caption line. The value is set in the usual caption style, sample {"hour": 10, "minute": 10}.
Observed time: {"hour": 9, "minute": 37}
